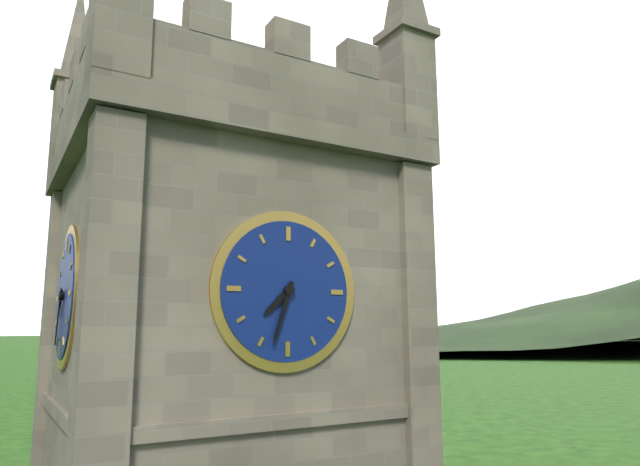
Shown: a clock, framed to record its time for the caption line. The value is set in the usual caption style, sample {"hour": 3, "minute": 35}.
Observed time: {"hour": 7, "minute": 33}
